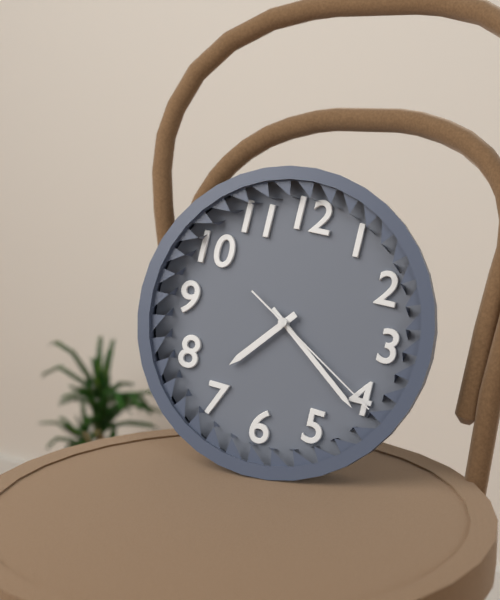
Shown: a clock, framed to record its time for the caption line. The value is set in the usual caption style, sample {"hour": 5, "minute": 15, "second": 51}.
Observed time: {"hour": 7, "minute": 21, "second": 20}
